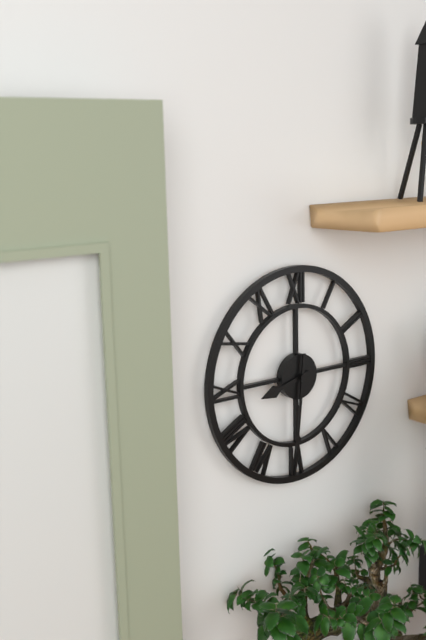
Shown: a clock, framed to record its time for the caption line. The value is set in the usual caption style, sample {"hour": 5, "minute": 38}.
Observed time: {"hour": 8, "minute": 31}
